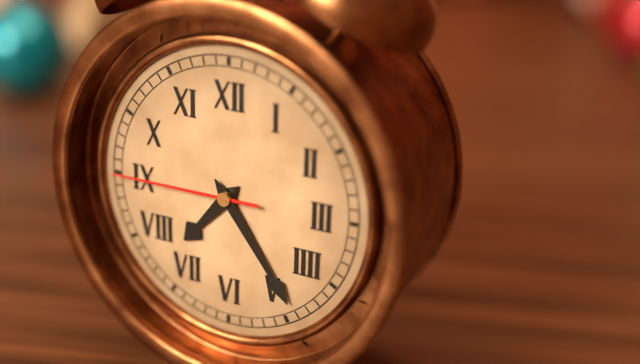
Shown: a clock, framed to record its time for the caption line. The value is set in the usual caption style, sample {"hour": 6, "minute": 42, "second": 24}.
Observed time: {"hour": 7, "minute": 24, "second": 45}
